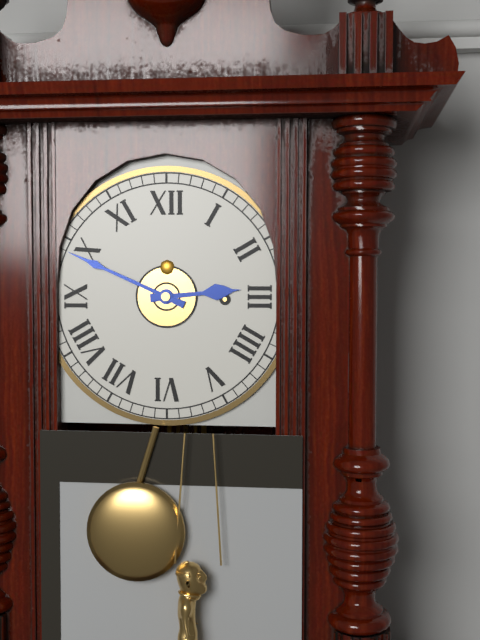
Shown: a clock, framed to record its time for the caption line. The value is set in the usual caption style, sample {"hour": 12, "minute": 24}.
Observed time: {"hour": 2, "minute": 49}
